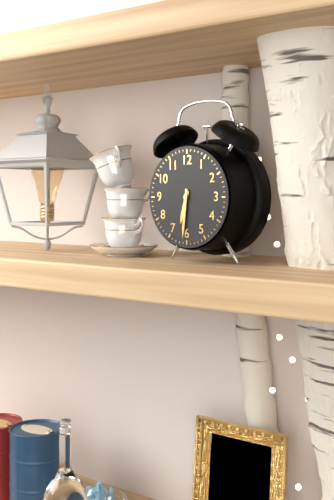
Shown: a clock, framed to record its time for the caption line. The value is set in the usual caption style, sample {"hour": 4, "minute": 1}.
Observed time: {"hour": 6, "minute": 31}
